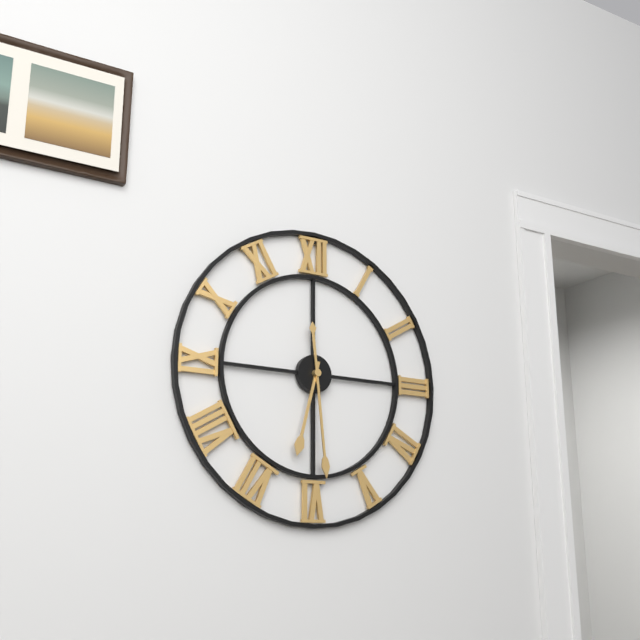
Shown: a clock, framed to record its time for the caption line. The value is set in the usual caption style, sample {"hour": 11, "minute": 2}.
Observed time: {"hour": 6, "minute": 29}
